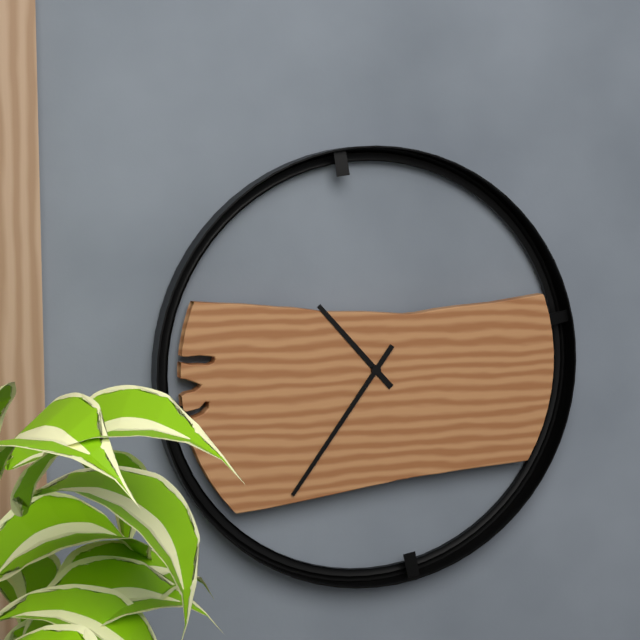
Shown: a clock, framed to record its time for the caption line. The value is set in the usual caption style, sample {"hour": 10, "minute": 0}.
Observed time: {"hour": 10, "minute": 36}
